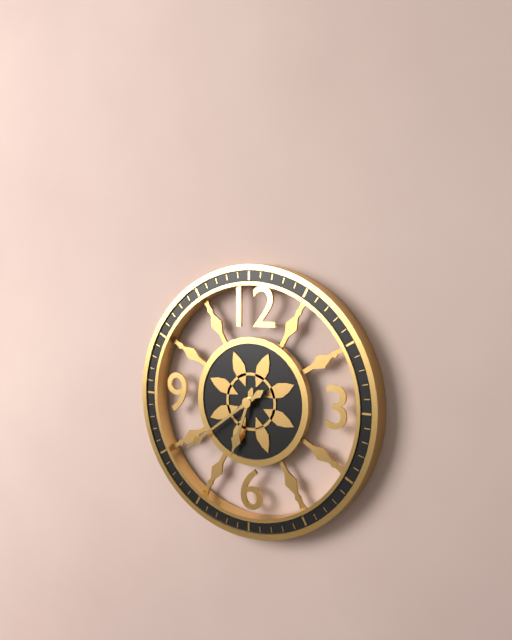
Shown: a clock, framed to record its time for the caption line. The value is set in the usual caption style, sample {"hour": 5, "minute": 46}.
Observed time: {"hour": 6, "minute": 39}
